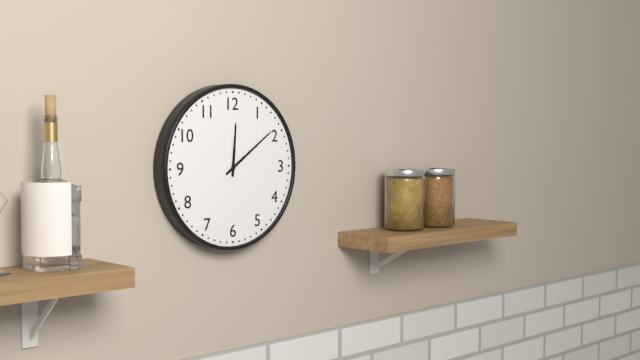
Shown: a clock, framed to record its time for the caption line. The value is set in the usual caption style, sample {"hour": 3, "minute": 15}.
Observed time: {"hour": 12, "minute": 9}
